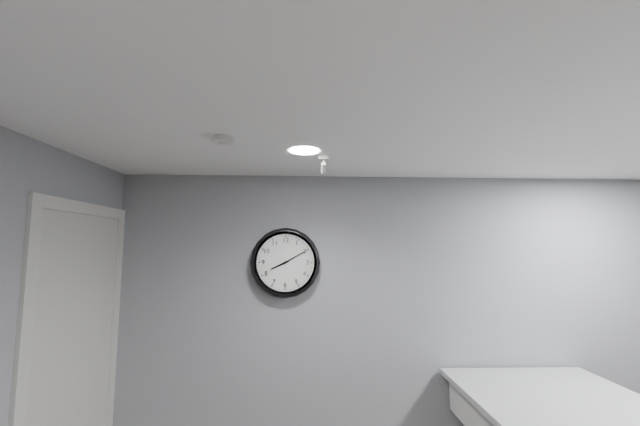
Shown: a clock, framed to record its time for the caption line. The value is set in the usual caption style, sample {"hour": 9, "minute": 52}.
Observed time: {"hour": 8, "minute": 10}
